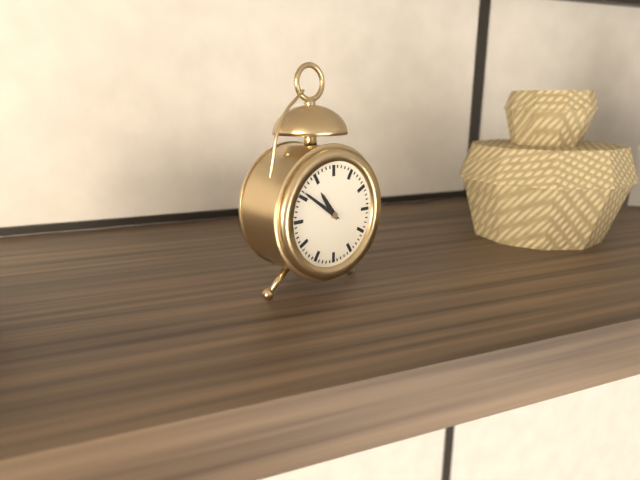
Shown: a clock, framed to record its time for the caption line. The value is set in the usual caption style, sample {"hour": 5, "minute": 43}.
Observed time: {"hour": 10, "minute": 51}
